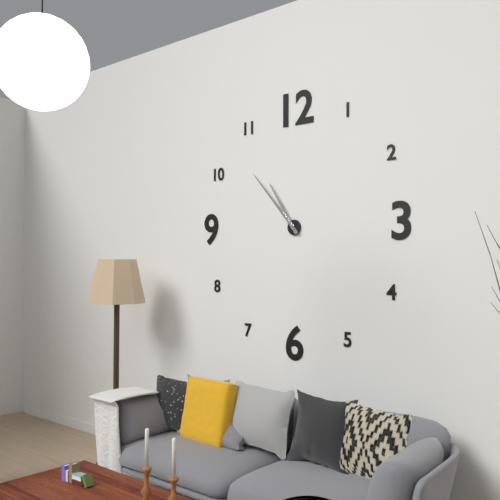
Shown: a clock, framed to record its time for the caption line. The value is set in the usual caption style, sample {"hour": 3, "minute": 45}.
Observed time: {"hour": 10, "minute": 53}
